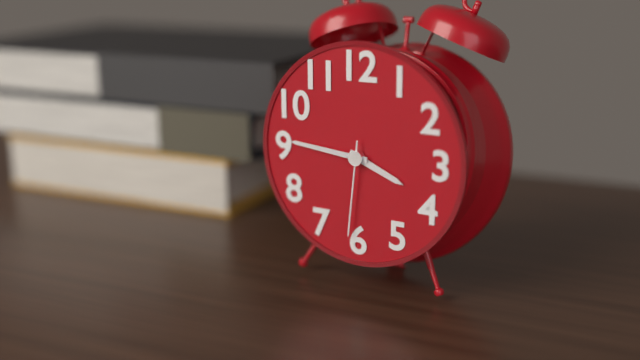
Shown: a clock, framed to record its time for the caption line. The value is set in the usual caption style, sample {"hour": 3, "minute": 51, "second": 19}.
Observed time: {"hour": 3, "minute": 46, "second": 31}
